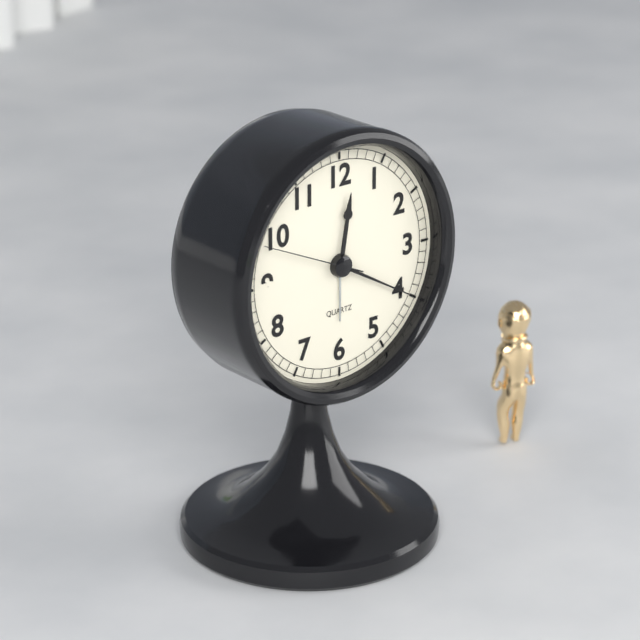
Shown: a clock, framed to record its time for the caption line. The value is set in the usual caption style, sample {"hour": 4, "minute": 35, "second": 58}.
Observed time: {"hour": 12, "minute": 20, "second": 49}
